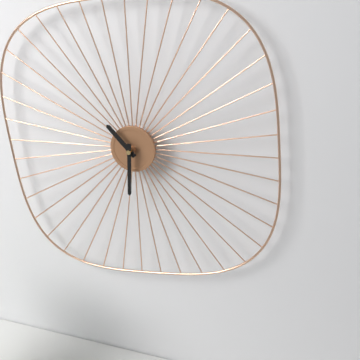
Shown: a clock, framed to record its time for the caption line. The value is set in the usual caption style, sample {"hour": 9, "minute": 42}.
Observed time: {"hour": 10, "minute": 30}
